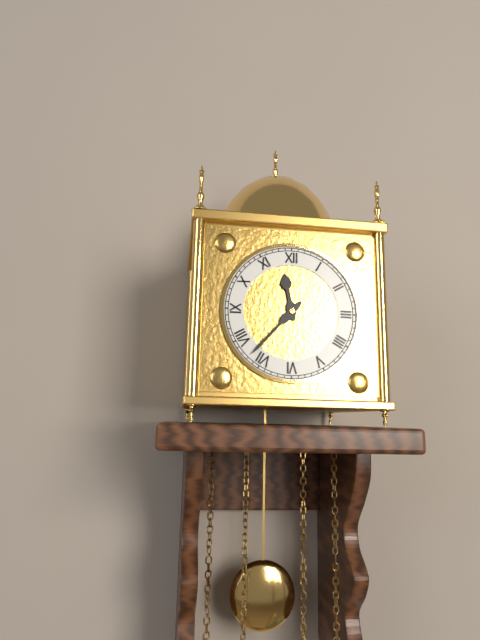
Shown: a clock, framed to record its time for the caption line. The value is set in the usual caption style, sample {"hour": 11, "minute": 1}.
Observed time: {"hour": 11, "minute": 37}
